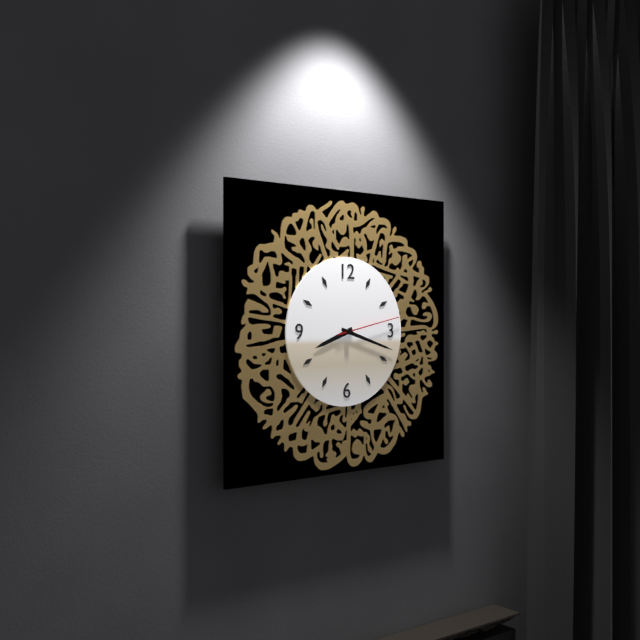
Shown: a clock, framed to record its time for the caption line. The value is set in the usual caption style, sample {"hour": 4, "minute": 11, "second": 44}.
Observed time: {"hour": 8, "minute": 18, "second": 13}
